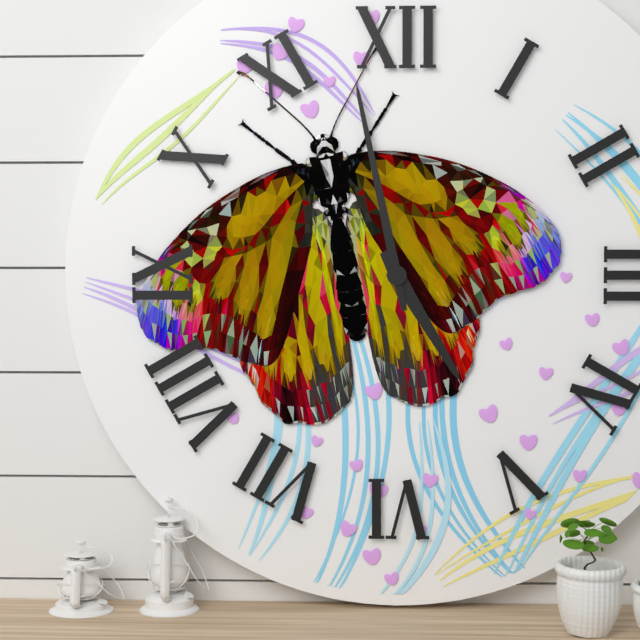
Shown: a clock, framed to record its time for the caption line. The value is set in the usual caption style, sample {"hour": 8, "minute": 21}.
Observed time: {"hour": 4, "minute": 58}
